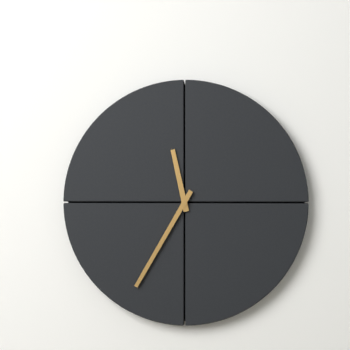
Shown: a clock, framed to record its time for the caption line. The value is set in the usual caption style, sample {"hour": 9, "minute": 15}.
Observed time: {"hour": 11, "minute": 35}
